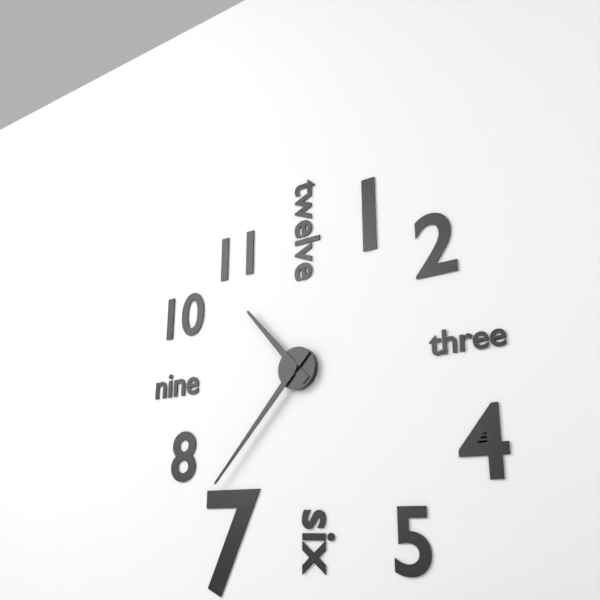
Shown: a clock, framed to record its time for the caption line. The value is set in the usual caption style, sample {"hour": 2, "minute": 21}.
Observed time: {"hour": 10, "minute": 37}
